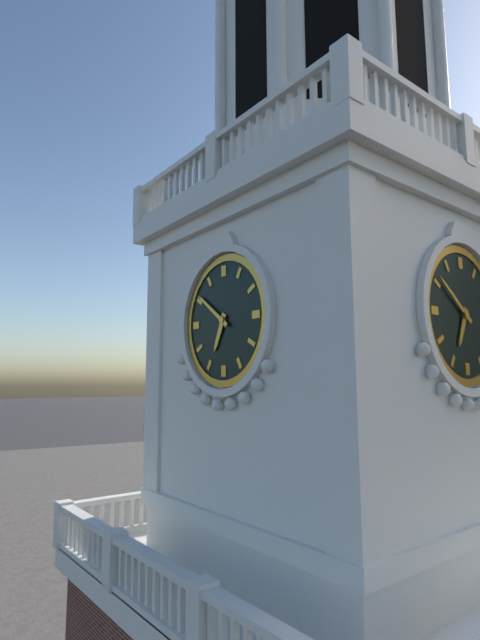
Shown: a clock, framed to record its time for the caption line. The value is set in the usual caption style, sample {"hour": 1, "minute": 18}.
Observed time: {"hour": 6, "minute": 51}
